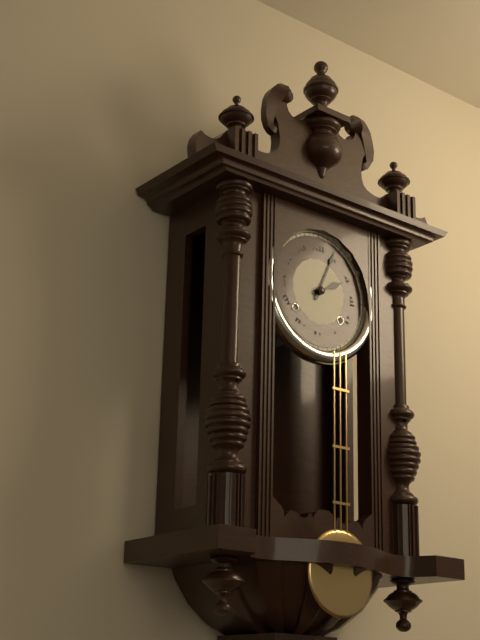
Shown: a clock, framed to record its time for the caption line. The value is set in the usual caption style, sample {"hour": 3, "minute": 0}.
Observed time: {"hour": 2, "minute": 4}
